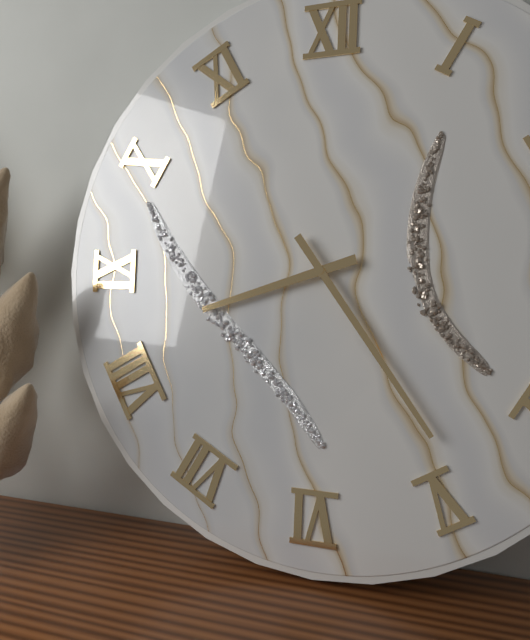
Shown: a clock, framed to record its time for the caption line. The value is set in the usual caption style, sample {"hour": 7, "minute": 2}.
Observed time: {"hour": 8, "minute": 24}
